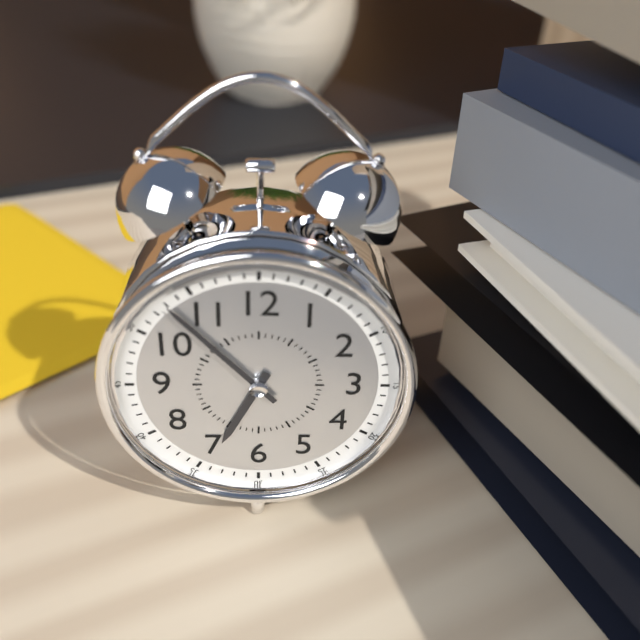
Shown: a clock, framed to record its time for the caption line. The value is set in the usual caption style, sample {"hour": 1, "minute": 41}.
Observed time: {"hour": 6, "minute": 53}
